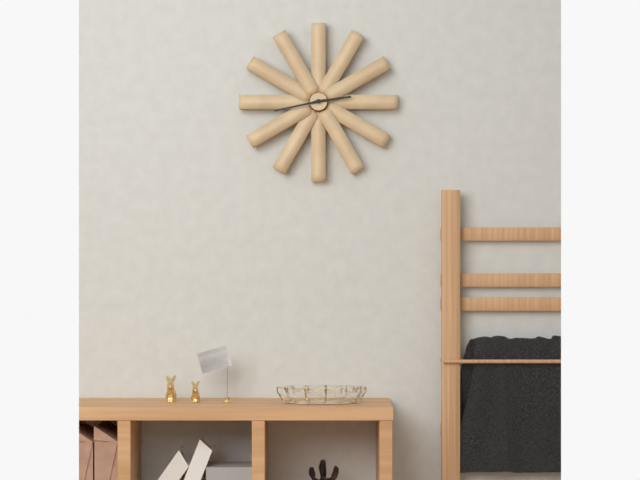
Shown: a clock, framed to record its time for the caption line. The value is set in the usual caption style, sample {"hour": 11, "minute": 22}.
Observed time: {"hour": 2, "minute": 43}
